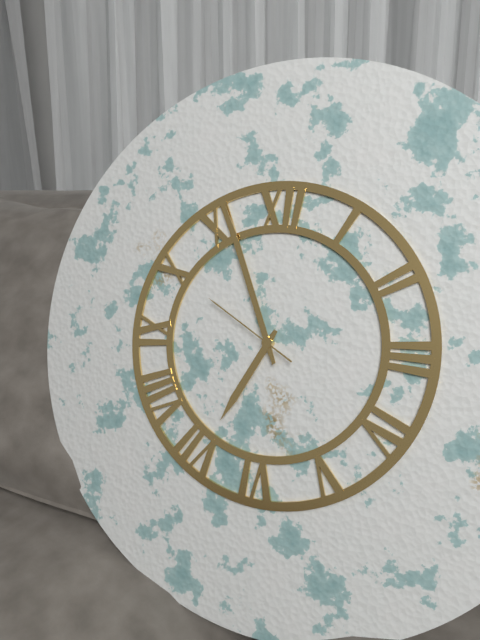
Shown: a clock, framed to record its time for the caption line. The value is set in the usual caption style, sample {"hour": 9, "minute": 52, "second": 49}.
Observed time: {"hour": 6, "minute": 56, "second": 50}
